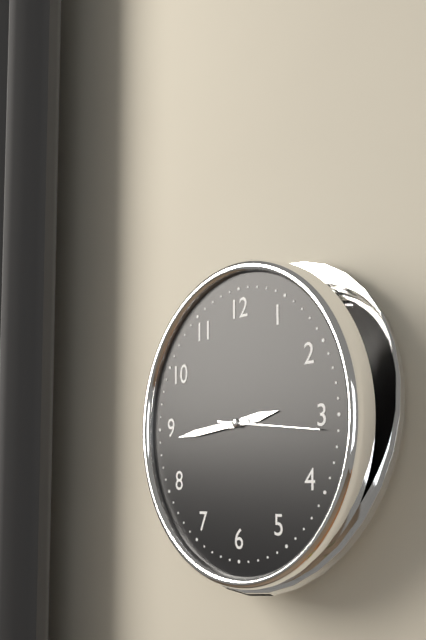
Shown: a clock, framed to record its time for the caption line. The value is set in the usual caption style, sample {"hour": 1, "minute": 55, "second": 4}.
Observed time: {"hour": 2, "minute": 44, "second": 16}
